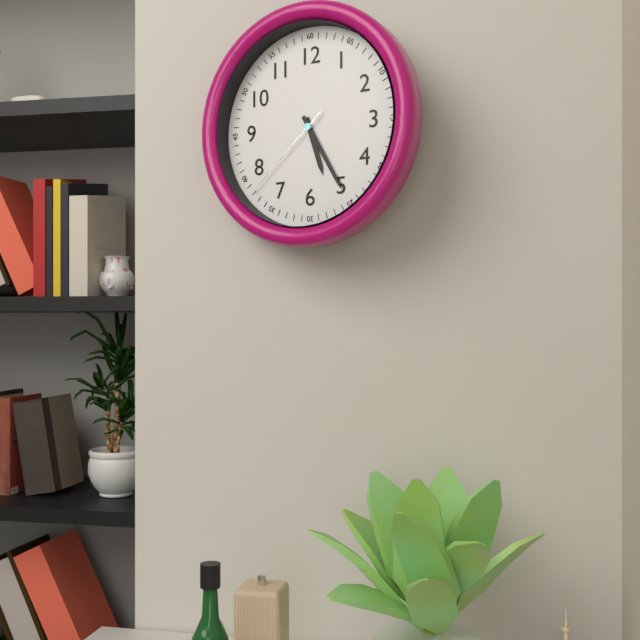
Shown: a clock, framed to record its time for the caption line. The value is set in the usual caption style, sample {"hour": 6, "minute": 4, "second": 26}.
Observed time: {"hour": 5, "minute": 25, "second": 38}
